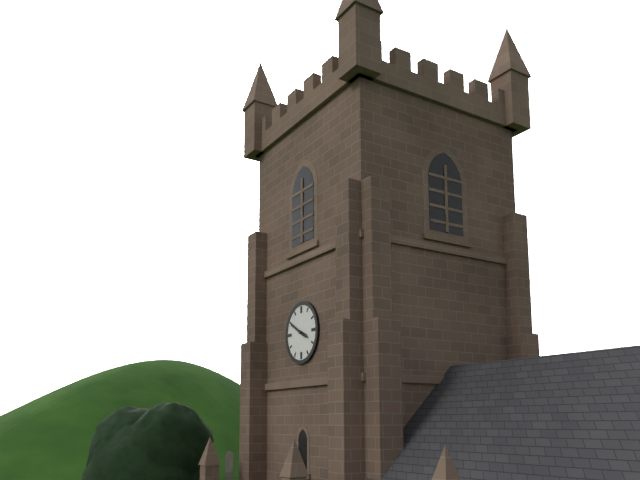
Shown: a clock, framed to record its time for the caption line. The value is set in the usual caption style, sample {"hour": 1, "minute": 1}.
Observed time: {"hour": 3, "minute": 50}
